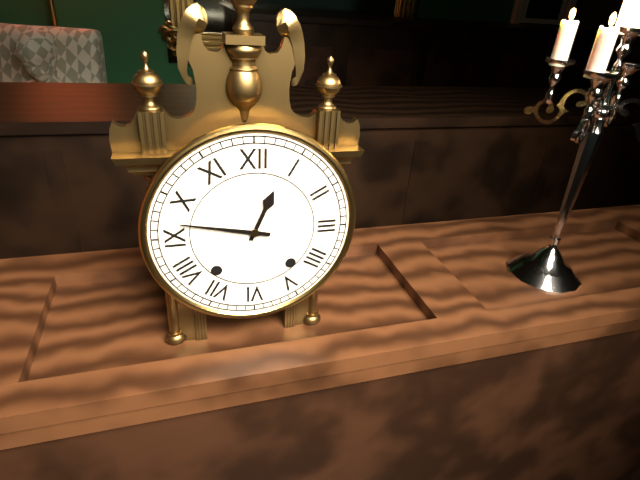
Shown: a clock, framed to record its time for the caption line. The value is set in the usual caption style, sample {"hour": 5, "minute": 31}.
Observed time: {"hour": 12, "minute": 47}
